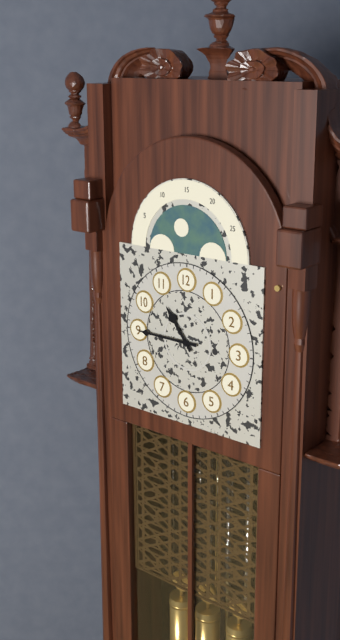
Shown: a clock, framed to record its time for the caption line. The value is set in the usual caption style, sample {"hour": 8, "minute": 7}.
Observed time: {"hour": 10, "minute": 45}
